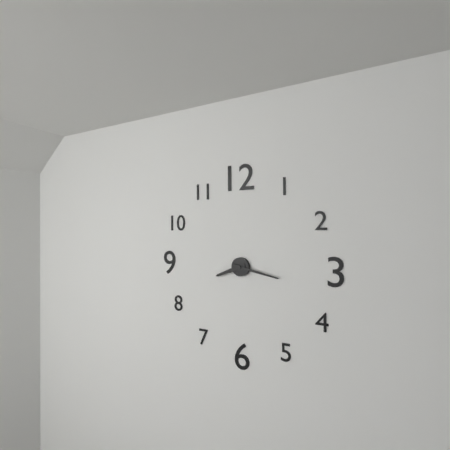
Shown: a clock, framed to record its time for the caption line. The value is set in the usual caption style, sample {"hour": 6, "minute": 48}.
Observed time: {"hour": 8, "minute": 17}
